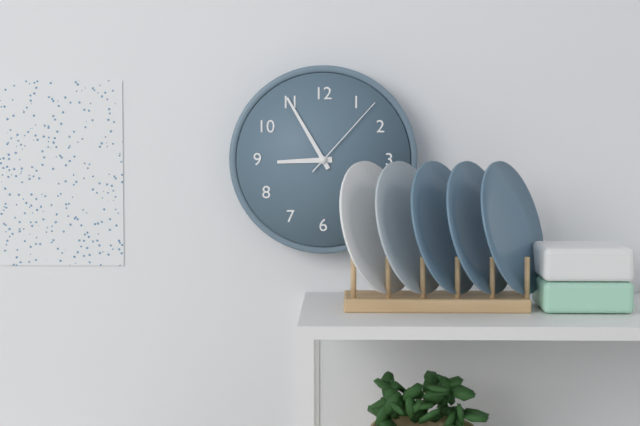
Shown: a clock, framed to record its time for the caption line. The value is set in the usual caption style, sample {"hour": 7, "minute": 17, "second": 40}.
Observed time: {"hour": 8, "minute": 55, "second": 7}
